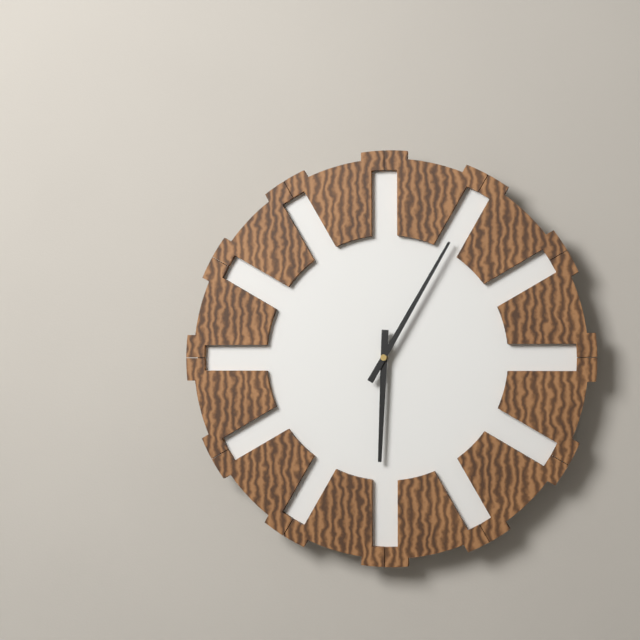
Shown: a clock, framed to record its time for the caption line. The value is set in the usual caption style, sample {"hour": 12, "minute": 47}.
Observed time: {"hour": 6, "minute": 5}
